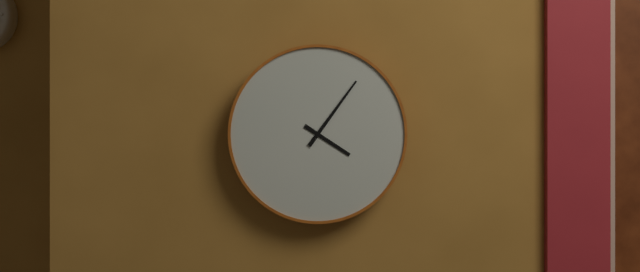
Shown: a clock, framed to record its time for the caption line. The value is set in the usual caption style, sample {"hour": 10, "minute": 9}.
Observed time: {"hour": 4, "minute": 6}
